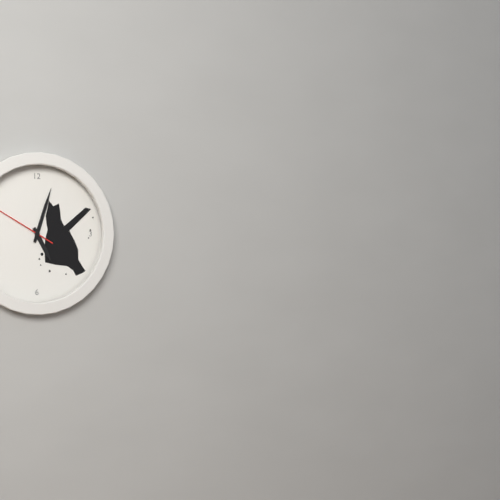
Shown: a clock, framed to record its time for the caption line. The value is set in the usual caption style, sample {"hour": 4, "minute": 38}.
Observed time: {"hour": 5, "minute": 3}
